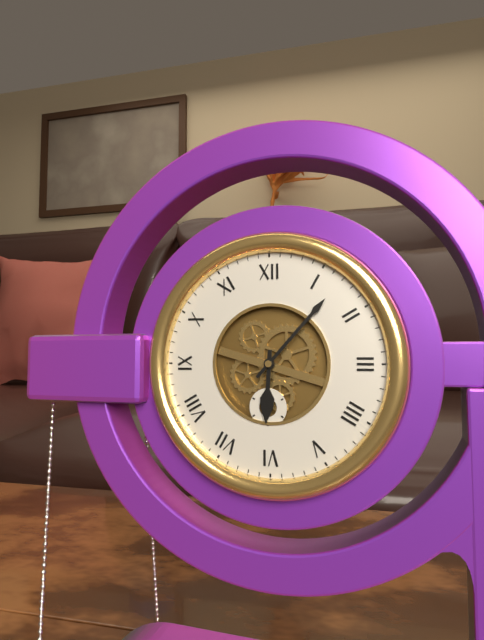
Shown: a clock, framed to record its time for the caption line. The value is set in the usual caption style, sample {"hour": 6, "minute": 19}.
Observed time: {"hour": 6, "minute": 7}
